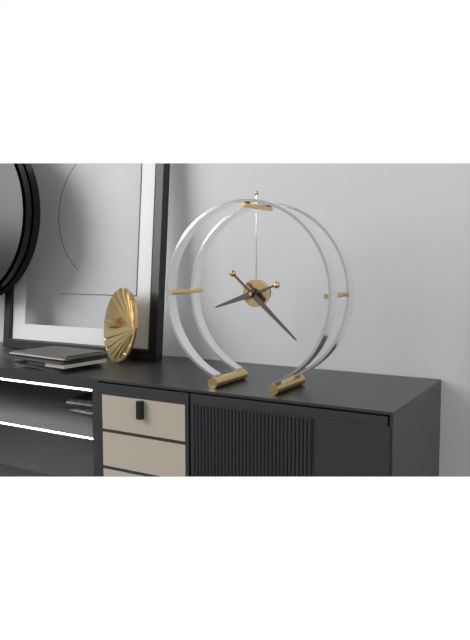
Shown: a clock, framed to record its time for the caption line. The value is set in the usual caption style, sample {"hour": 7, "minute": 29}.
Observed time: {"hour": 8, "minute": 22}
